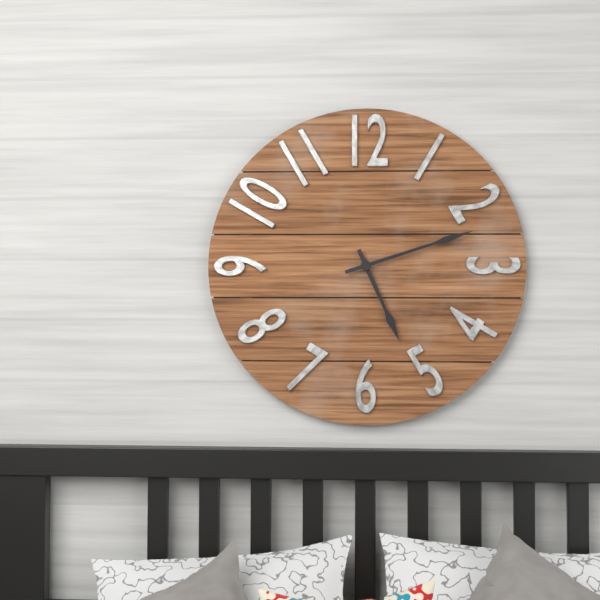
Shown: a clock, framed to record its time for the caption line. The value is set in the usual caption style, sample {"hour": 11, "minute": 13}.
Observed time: {"hour": 5, "minute": 12}
